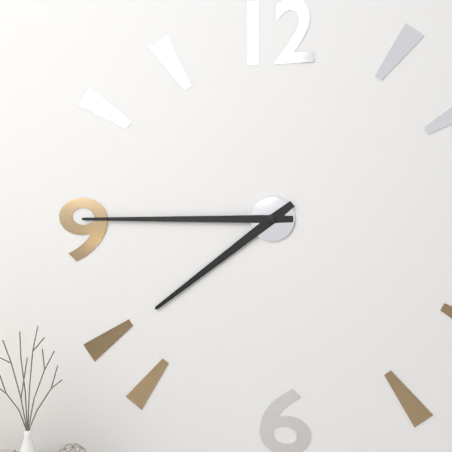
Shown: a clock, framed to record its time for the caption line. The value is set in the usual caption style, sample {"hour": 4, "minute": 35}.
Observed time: {"hour": 7, "minute": 45}
